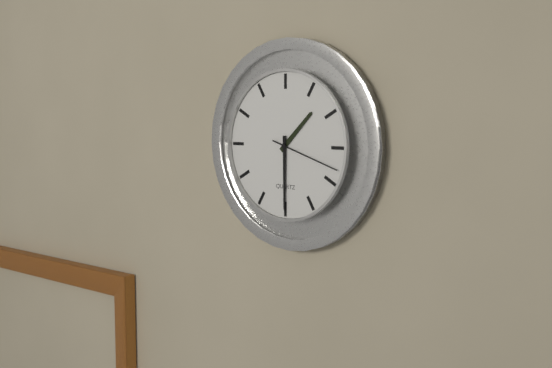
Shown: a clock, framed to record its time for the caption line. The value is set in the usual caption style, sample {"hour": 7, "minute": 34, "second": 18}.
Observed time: {"hour": 1, "minute": 30, "second": 18}
